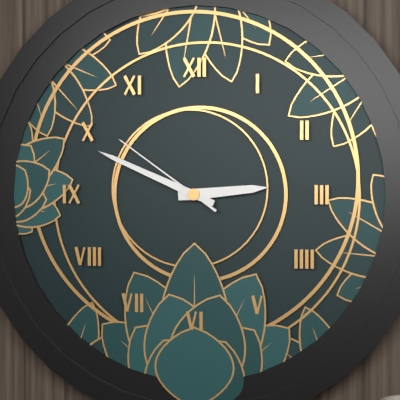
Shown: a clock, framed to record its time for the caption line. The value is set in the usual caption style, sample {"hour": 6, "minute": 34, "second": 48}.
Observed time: {"hour": 2, "minute": 49, "second": 51}
